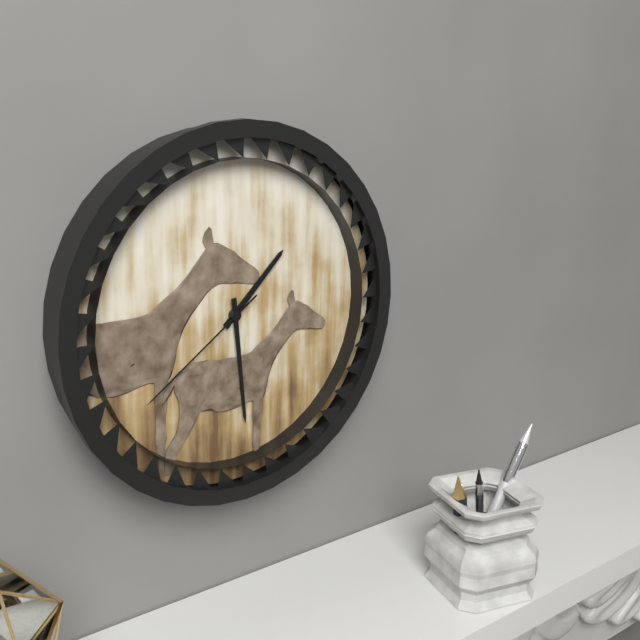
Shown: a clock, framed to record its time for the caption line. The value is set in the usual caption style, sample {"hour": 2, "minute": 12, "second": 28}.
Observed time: {"hour": 1, "minute": 29, "second": 39}
